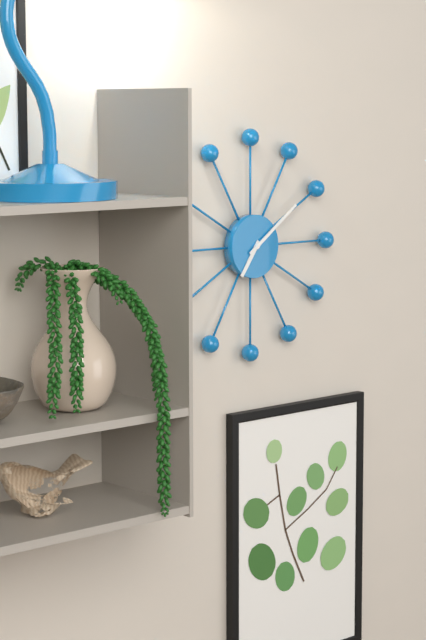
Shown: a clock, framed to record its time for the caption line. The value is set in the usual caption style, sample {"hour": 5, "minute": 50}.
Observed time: {"hour": 7, "minute": 9}
